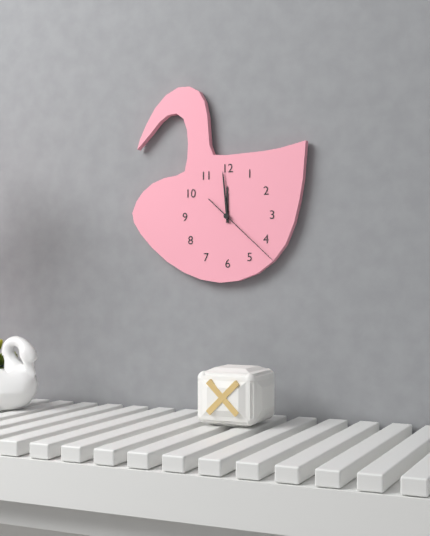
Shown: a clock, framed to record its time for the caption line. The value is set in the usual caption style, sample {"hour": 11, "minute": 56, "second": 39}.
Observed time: {"hour": 11, "minute": 59, "second": 22}
